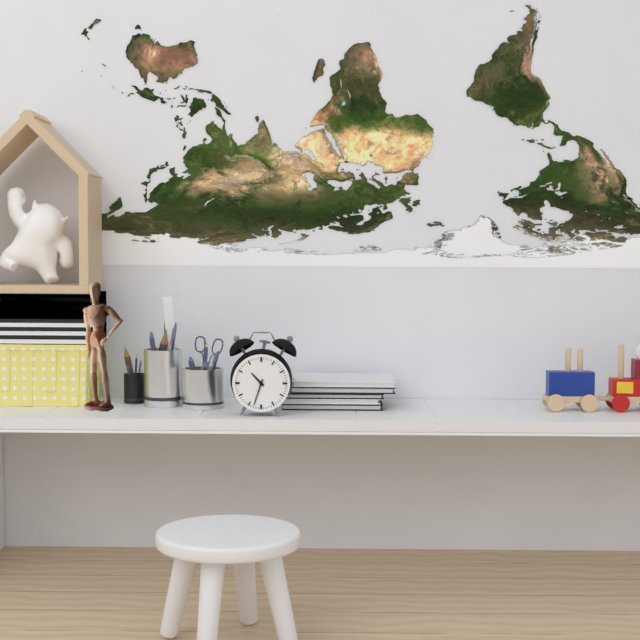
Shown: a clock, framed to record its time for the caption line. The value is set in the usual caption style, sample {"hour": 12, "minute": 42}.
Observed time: {"hour": 10, "minute": 33}
